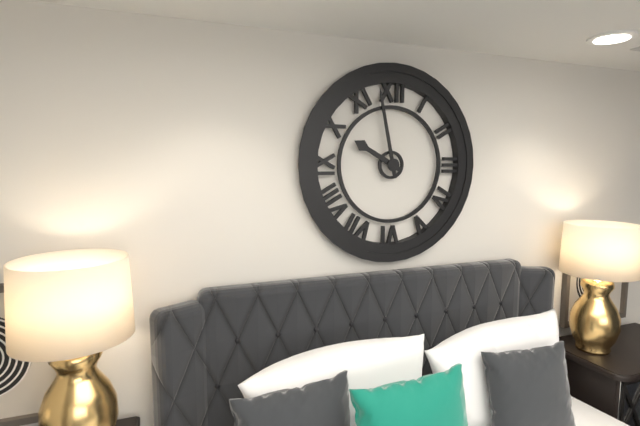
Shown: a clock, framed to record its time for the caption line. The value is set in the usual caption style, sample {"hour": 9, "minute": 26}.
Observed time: {"hour": 9, "minute": 58}
